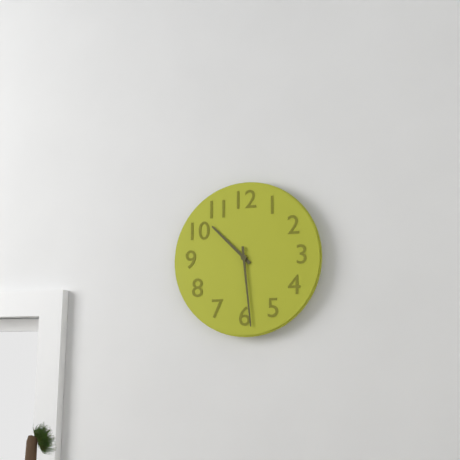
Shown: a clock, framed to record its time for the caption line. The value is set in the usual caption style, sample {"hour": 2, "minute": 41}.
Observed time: {"hour": 10, "minute": 29}
